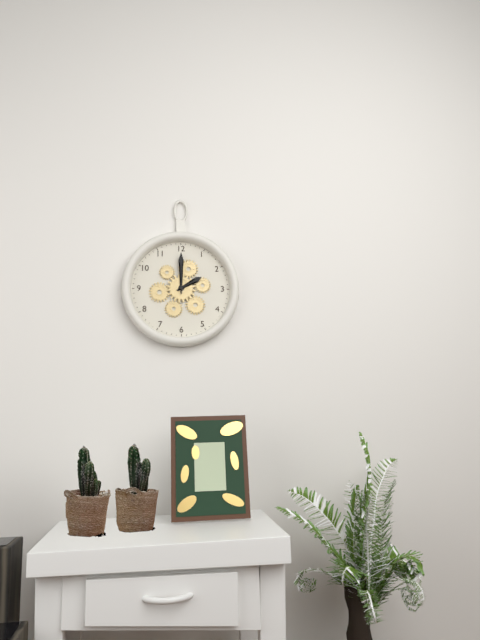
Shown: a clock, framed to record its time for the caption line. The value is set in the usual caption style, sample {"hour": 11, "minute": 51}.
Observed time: {"hour": 2, "minute": 0}
